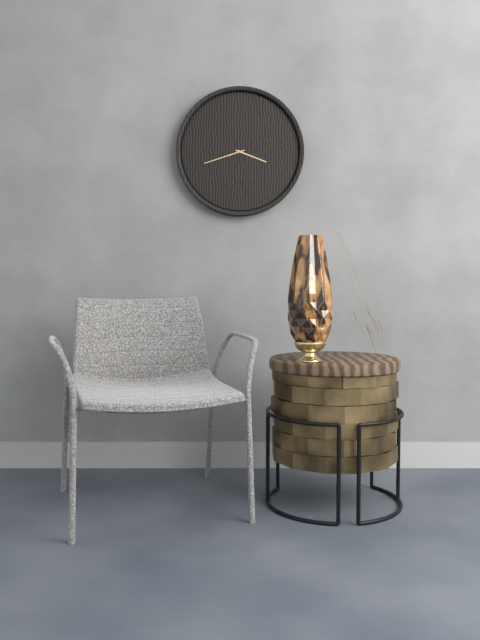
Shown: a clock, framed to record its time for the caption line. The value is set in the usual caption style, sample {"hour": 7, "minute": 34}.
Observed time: {"hour": 3, "minute": 42}
